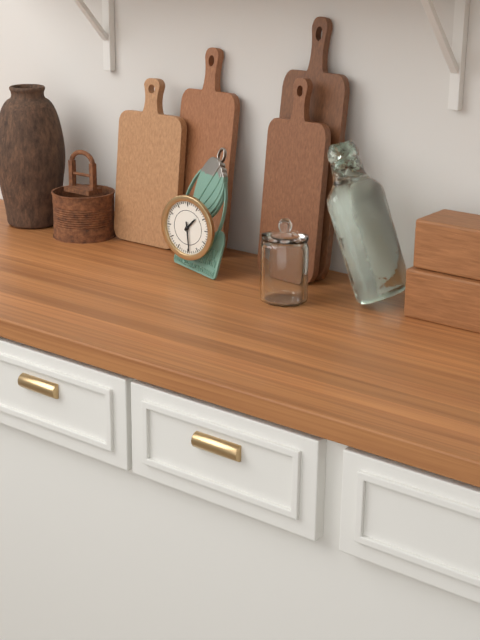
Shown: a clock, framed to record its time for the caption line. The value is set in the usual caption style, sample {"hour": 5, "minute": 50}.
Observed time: {"hour": 1, "minute": 29}
